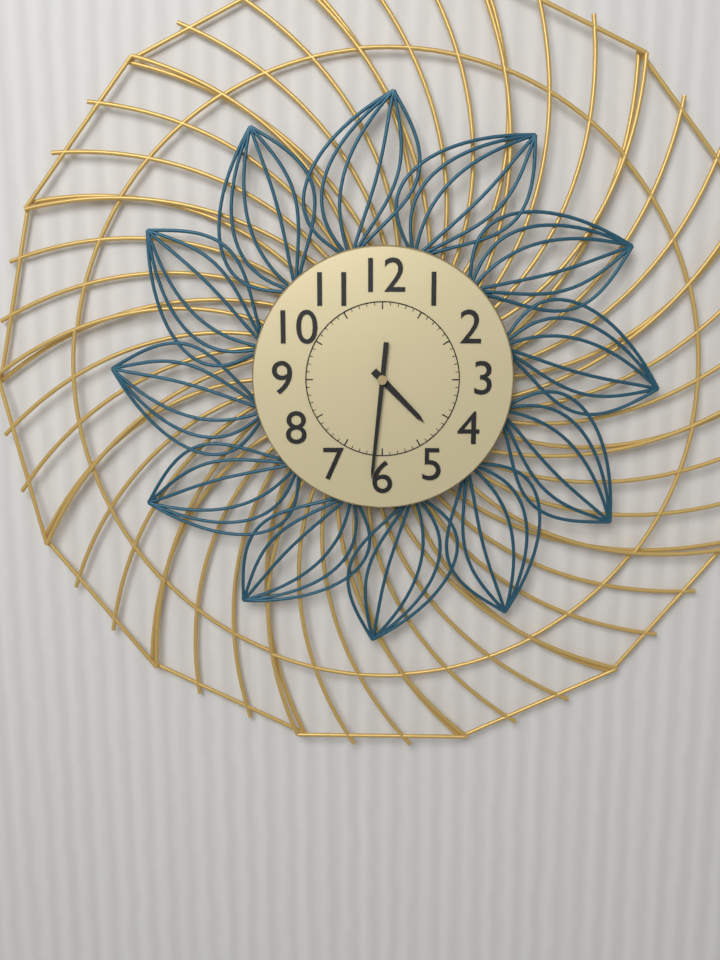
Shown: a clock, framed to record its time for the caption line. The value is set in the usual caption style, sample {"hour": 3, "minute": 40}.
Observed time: {"hour": 4, "minute": 31}
